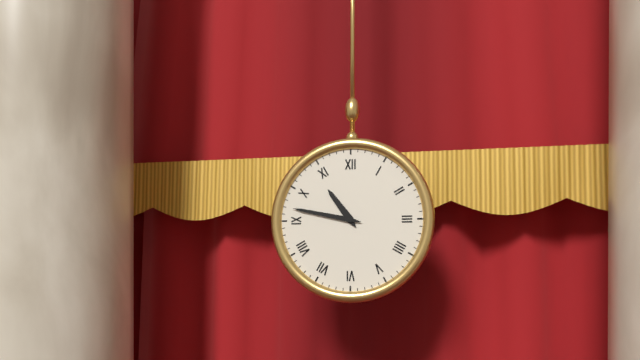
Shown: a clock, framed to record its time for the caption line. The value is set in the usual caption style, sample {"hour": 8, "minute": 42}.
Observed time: {"hour": 10, "minute": 47}
